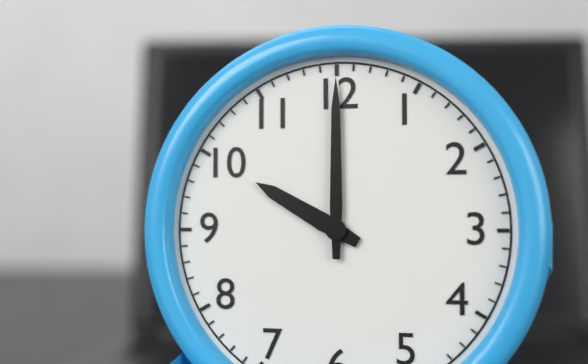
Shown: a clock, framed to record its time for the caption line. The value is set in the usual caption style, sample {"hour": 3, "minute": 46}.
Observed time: {"hour": 10, "minute": 0}
